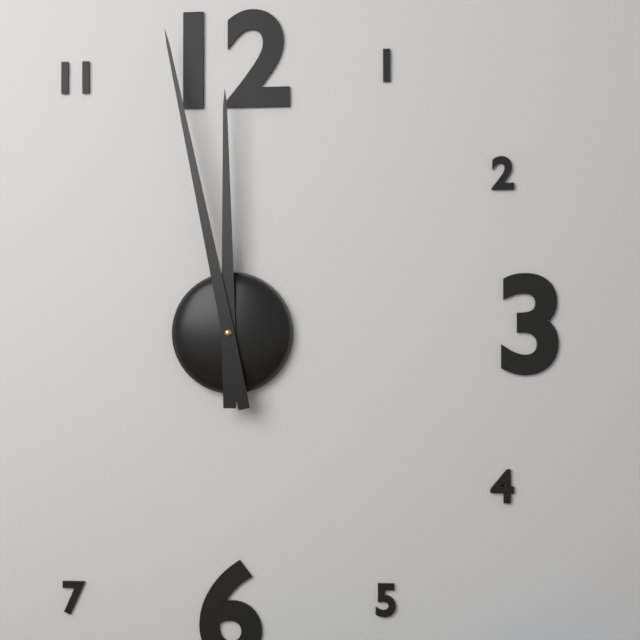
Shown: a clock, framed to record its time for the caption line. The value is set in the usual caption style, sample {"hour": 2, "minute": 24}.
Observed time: {"hour": 11, "minute": 58}
